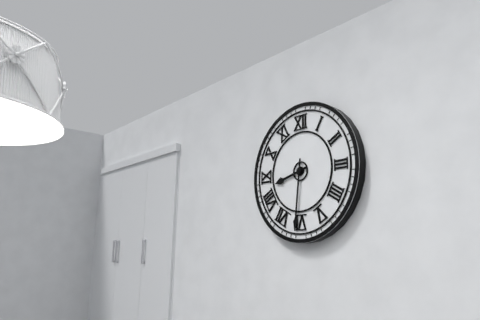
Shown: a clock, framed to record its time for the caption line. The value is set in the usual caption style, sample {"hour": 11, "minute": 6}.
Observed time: {"hour": 8, "minute": 31}
